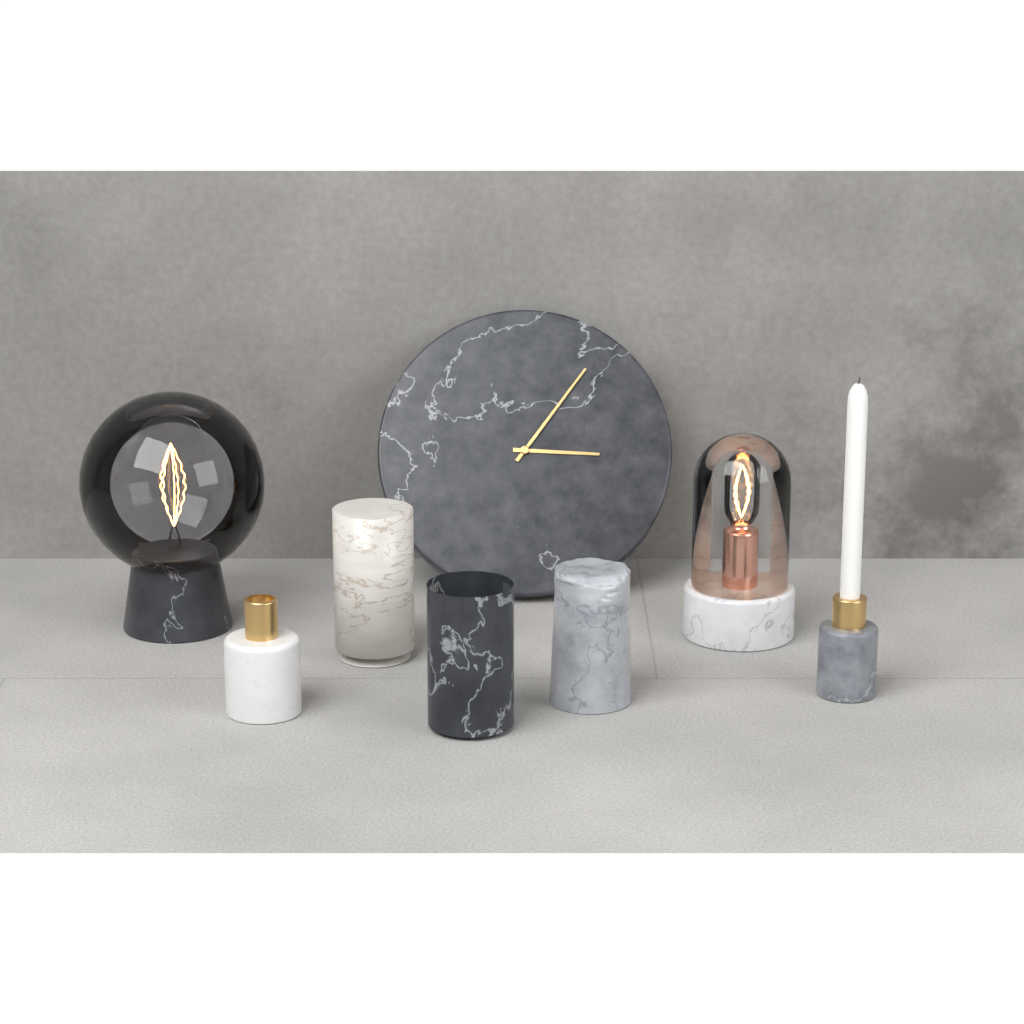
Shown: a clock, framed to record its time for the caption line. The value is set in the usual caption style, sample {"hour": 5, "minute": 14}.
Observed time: {"hour": 3, "minute": 6}
